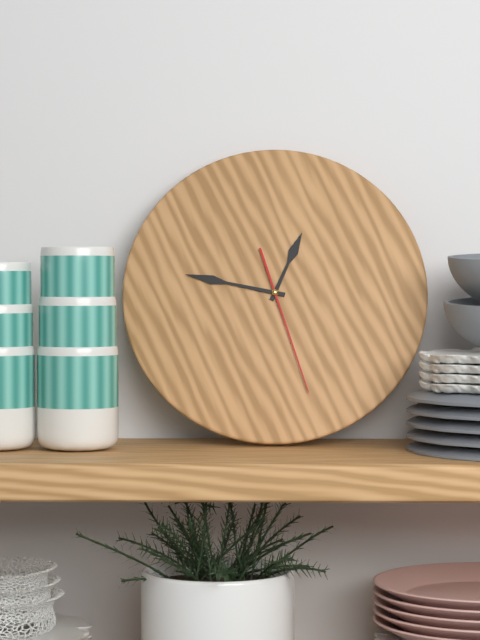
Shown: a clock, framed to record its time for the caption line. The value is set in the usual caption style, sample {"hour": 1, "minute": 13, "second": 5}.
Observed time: {"hour": 12, "minute": 47, "second": 27}
